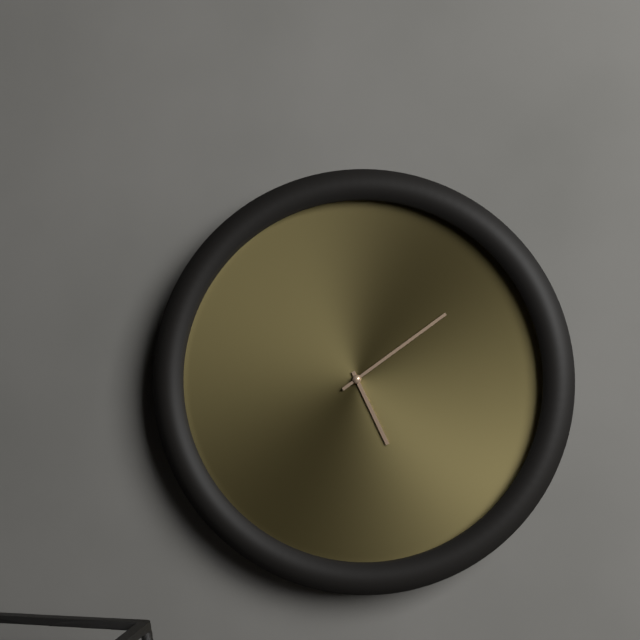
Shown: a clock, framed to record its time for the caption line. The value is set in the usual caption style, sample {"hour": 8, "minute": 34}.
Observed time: {"hour": 5, "minute": 9}
